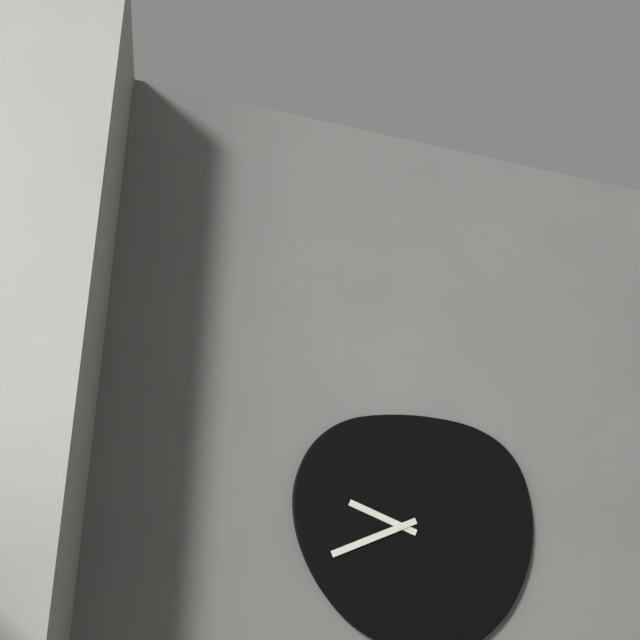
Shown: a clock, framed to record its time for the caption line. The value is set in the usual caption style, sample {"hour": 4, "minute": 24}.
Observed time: {"hour": 9, "minute": 41}
